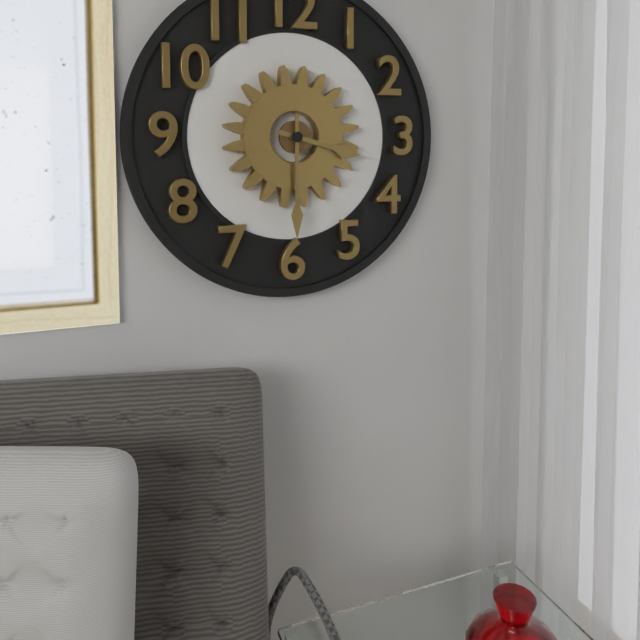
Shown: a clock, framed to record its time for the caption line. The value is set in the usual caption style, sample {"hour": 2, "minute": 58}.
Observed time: {"hour": 3, "minute": 30}
